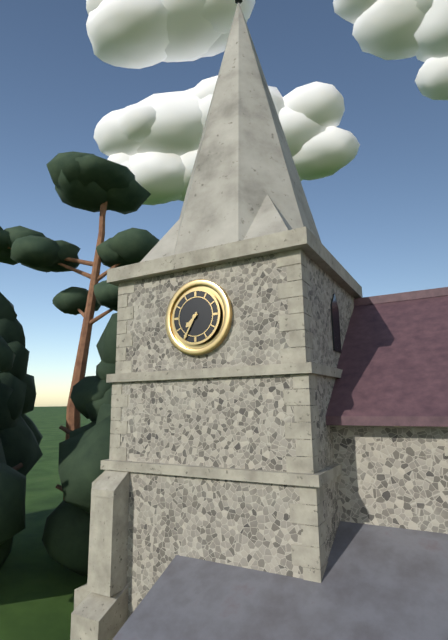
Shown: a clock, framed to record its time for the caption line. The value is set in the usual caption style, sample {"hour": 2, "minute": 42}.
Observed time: {"hour": 7, "minute": 35}
